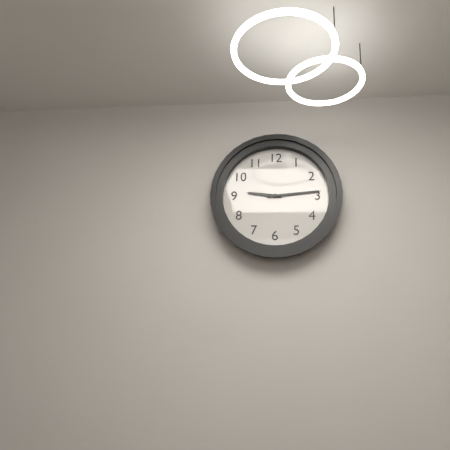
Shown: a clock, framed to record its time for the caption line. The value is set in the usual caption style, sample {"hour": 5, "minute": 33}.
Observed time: {"hour": 9, "minute": 14}
